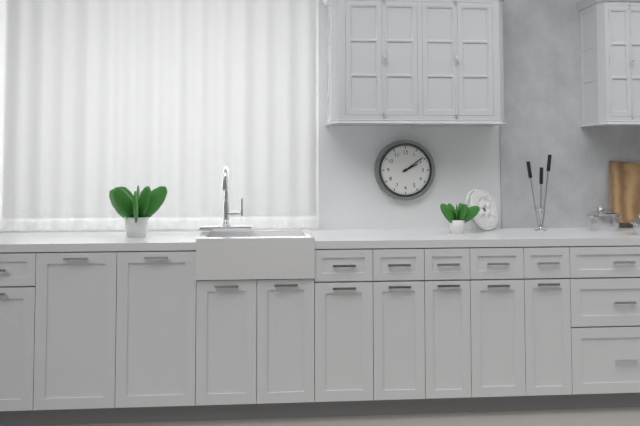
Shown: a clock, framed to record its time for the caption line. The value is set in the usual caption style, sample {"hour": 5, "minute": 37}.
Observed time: {"hour": 2, "minute": 9}
